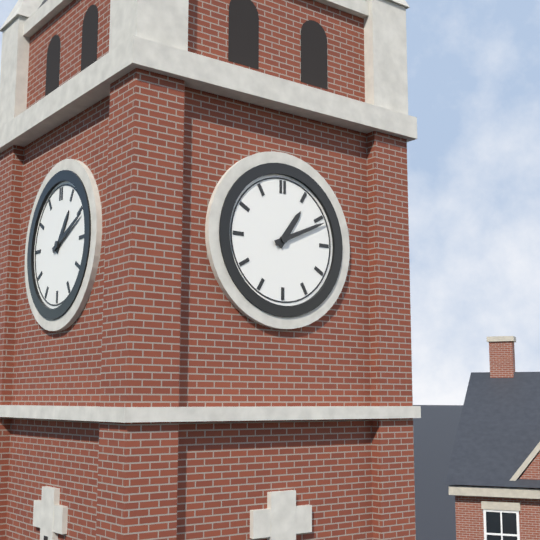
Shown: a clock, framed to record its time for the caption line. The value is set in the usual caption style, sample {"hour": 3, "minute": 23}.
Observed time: {"hour": 1, "minute": 11}
